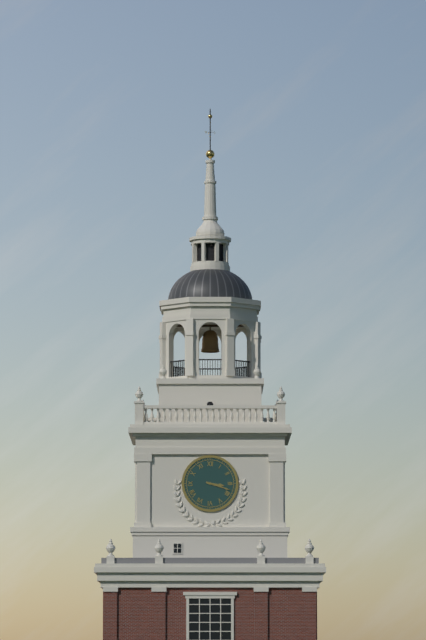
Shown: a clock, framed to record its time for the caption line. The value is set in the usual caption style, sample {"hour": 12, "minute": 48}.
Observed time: {"hour": 3, "minute": 18}
